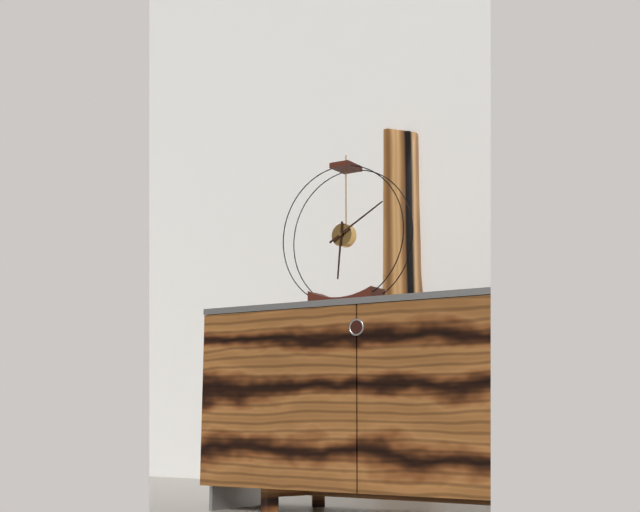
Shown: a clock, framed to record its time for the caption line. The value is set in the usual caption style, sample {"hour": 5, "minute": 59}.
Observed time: {"hour": 6, "minute": 10}
